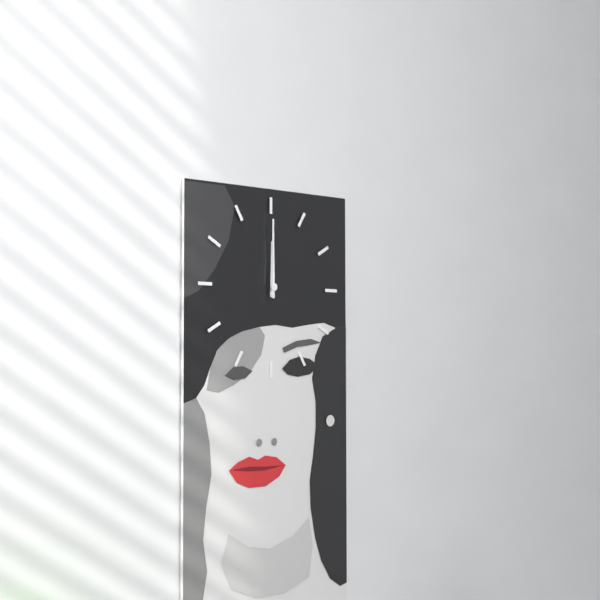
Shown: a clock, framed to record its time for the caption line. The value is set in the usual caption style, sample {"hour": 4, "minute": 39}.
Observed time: {"hour": 12, "minute": 0}
